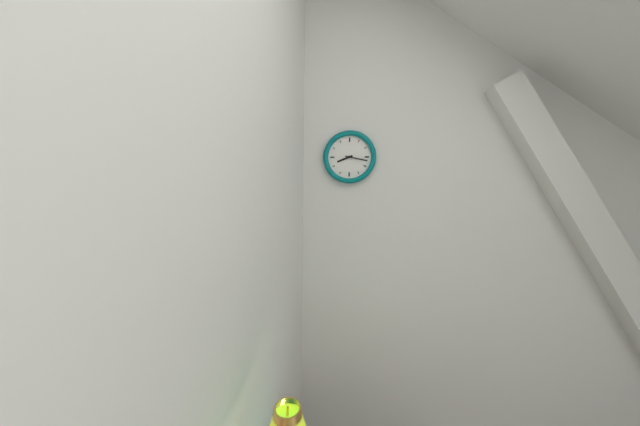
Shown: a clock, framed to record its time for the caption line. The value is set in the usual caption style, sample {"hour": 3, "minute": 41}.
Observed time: {"hour": 8, "minute": 17}
